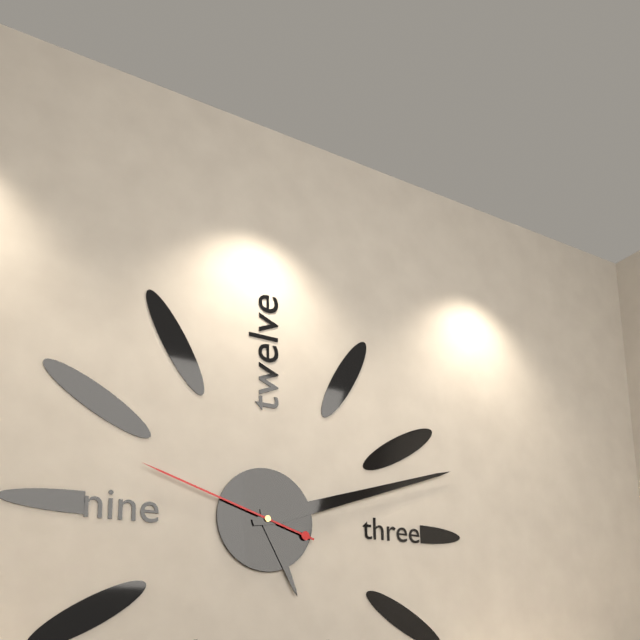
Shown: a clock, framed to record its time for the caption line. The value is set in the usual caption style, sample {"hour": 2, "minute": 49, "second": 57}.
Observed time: {"hour": 5, "minute": 12, "second": 48}
